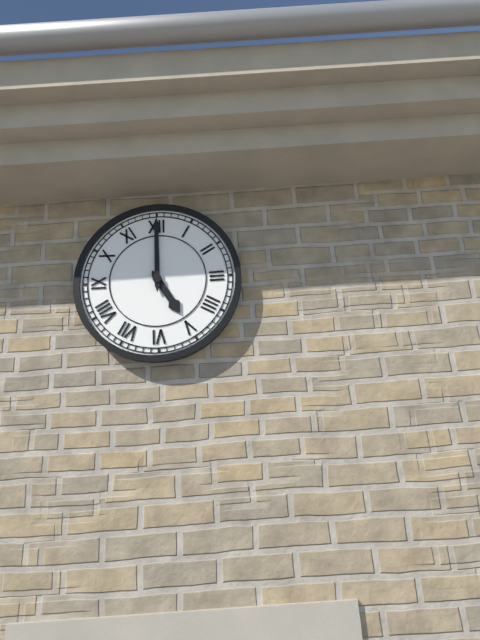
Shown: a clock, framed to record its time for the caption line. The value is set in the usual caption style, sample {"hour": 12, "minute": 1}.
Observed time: {"hour": 5, "minute": 0}
